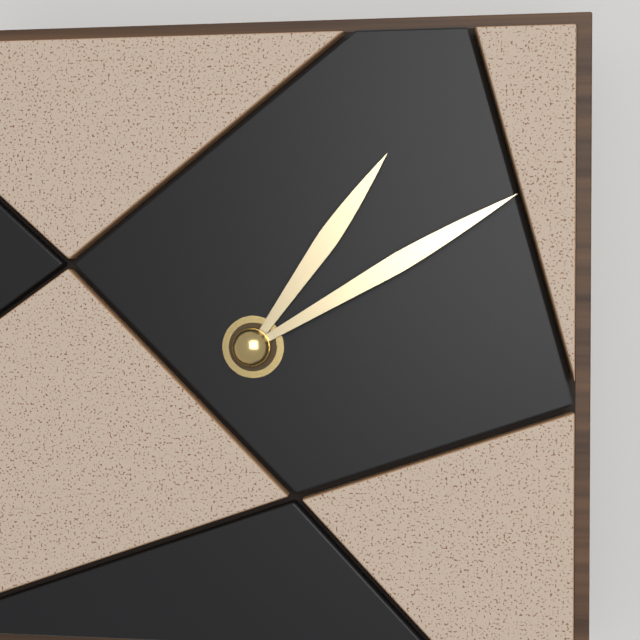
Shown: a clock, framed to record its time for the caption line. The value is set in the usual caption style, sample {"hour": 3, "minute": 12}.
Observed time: {"hour": 1, "minute": 10}
